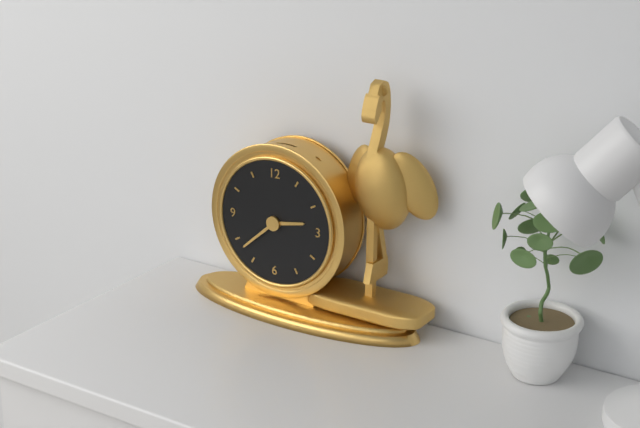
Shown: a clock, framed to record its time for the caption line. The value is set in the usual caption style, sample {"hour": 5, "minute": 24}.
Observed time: {"hour": 2, "minute": 38}
